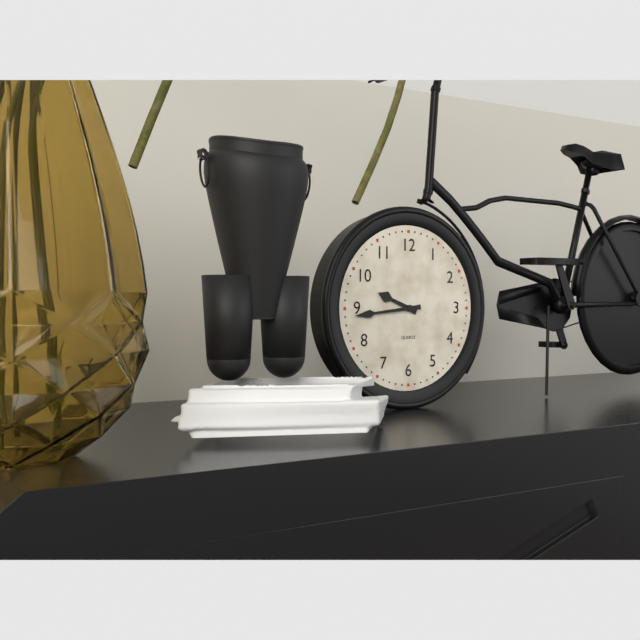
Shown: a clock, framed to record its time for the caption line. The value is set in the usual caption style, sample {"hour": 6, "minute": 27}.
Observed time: {"hour": 9, "minute": 44}
